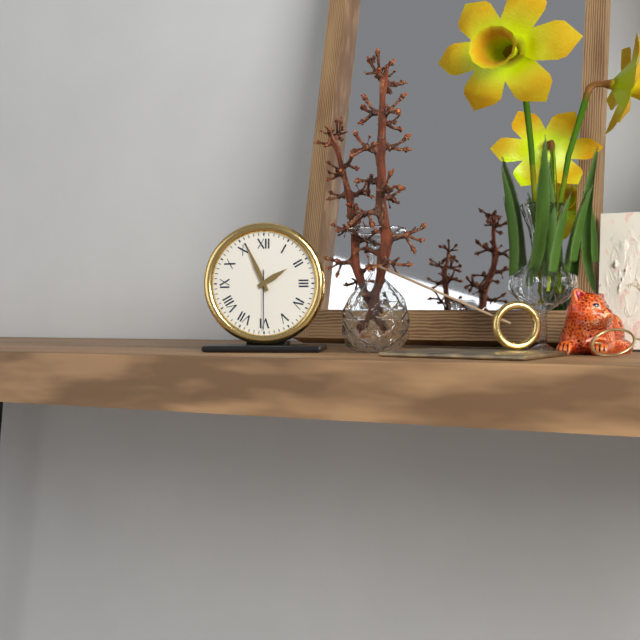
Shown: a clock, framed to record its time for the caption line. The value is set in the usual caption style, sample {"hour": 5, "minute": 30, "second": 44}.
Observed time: {"hour": 1, "minute": 56, "second": 30}
